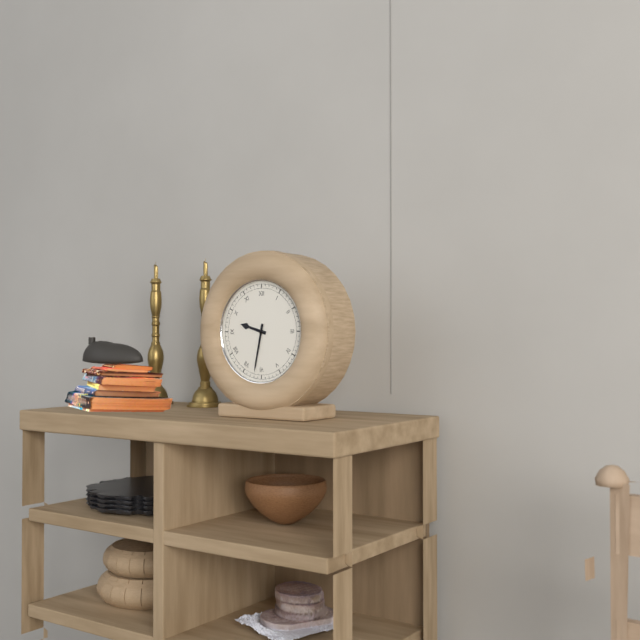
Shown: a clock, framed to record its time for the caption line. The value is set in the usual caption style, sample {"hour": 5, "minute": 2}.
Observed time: {"hour": 9, "minute": 32}
